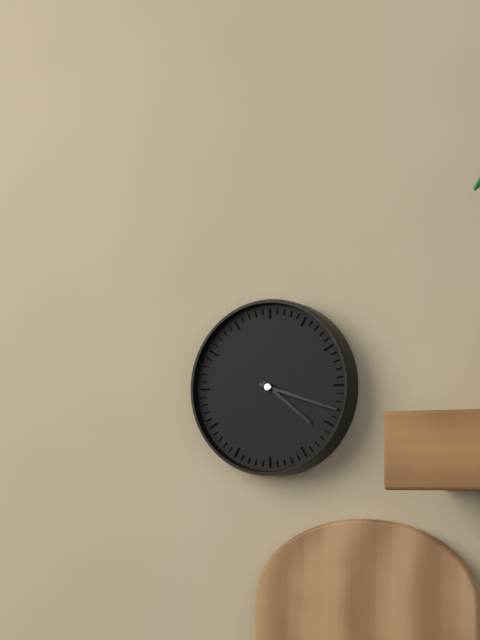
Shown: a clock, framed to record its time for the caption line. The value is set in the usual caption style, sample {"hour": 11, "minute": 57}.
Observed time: {"hour": 4, "minute": 18}
